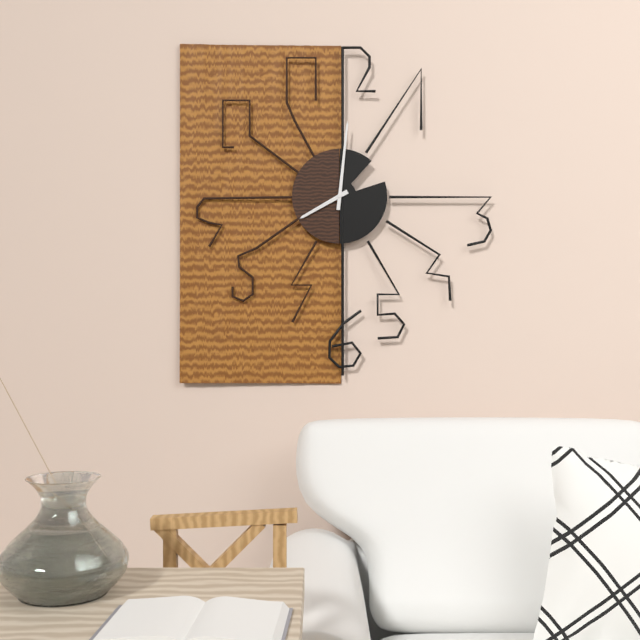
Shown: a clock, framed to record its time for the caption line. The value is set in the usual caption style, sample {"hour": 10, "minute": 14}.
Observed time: {"hour": 8, "minute": 1}
